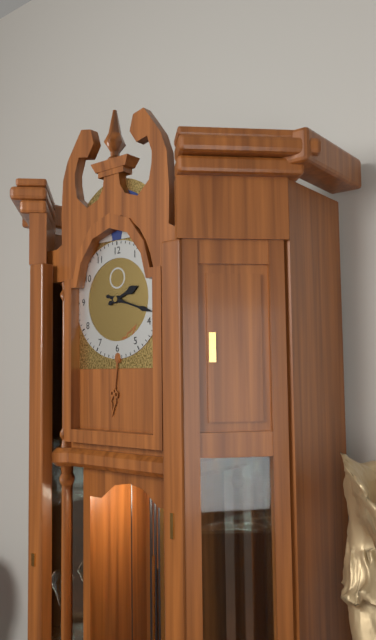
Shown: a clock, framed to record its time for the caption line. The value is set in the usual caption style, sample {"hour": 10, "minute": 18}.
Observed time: {"hour": 2, "minute": 18}
